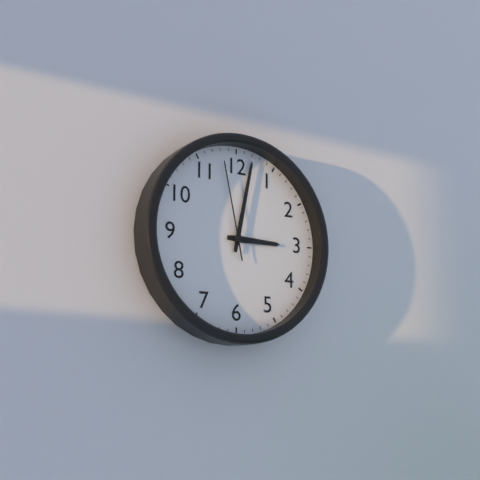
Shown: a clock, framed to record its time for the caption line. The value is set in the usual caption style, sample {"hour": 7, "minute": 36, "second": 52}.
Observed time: {"hour": 3, "minute": 2, "second": 58}
